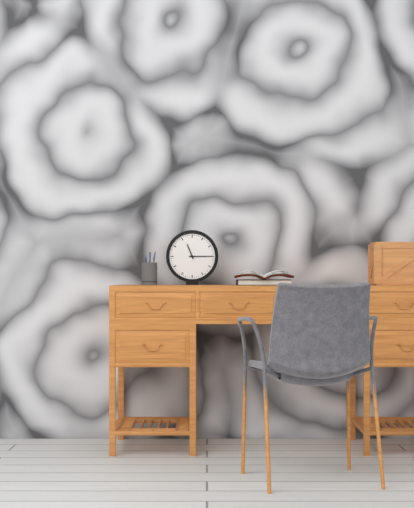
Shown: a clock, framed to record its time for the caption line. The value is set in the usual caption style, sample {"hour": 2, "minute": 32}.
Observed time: {"hour": 11, "minute": 15}
